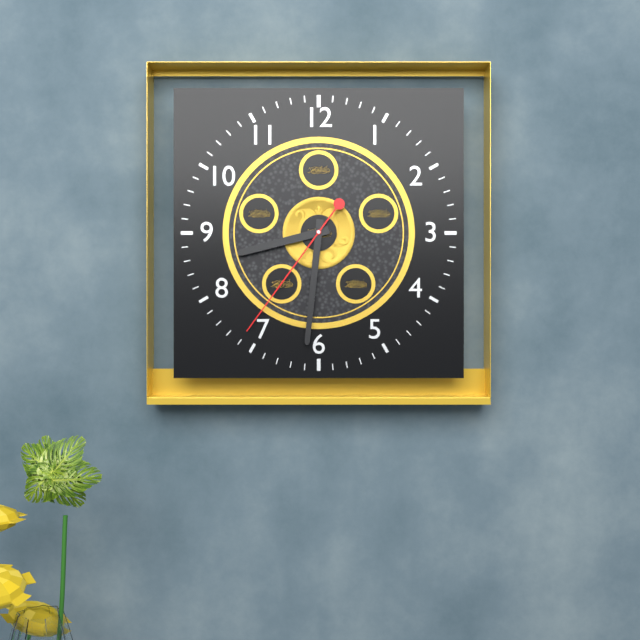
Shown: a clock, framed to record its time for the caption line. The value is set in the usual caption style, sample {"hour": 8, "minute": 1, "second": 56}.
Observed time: {"hour": 8, "minute": 31, "second": 36}
